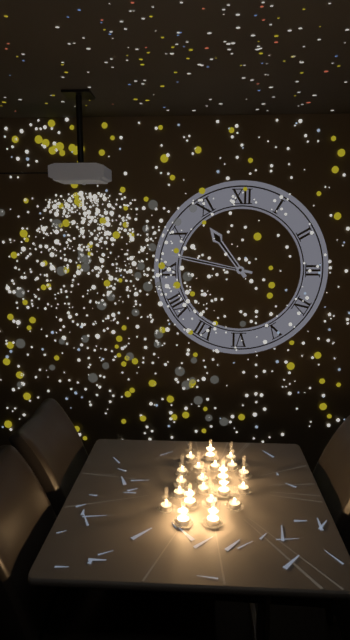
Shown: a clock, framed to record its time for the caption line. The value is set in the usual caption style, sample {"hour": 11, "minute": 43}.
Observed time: {"hour": 10, "minute": 47}
